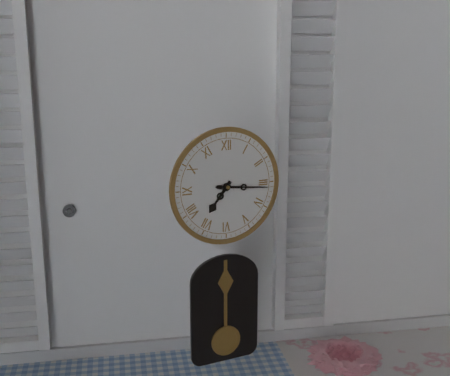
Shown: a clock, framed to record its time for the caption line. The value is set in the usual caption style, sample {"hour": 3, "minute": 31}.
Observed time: {"hour": 7, "minute": 16}
